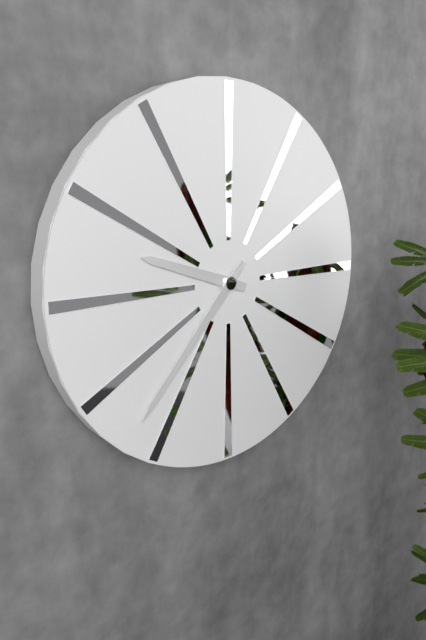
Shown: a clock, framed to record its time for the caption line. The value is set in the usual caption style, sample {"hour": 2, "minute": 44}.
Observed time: {"hour": 9, "minute": 37}
